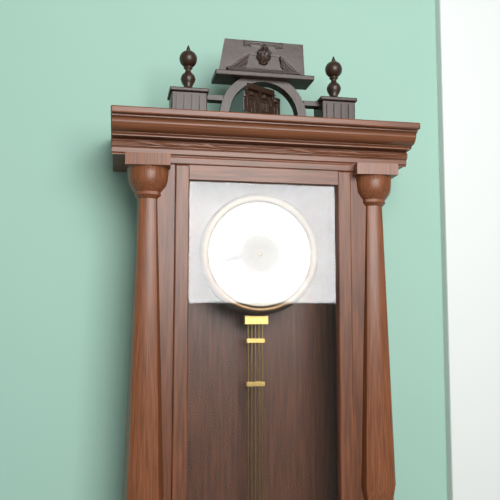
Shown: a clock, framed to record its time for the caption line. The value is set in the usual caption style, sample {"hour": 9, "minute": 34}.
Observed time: {"hour": 8, "minute": 43}
